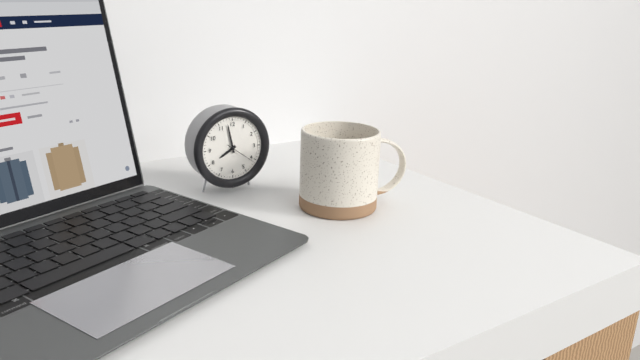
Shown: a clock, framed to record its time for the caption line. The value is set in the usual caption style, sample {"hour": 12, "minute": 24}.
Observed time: {"hour": 7, "minute": 58}
